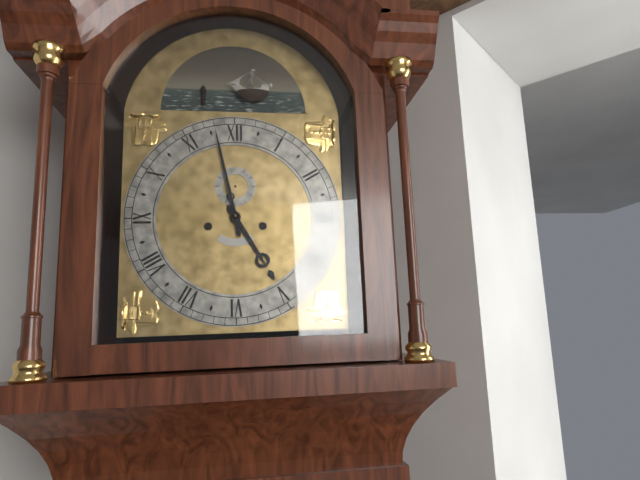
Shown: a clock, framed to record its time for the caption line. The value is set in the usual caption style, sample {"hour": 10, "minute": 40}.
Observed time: {"hour": 4, "minute": 58}
